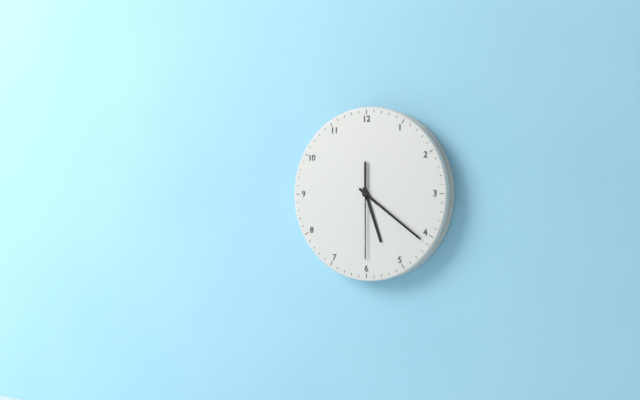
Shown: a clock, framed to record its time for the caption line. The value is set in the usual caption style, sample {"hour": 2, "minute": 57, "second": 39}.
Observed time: {"hour": 5, "minute": 21, "second": 30}
